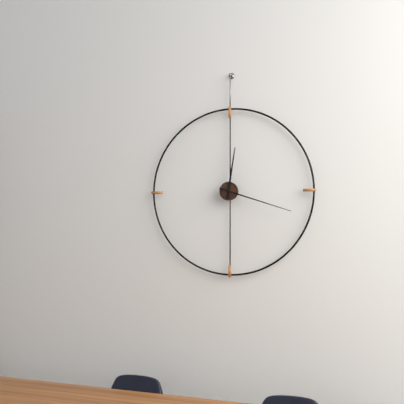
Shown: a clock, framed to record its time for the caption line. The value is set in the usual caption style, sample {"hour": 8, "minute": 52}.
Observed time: {"hour": 12, "minute": 18}
